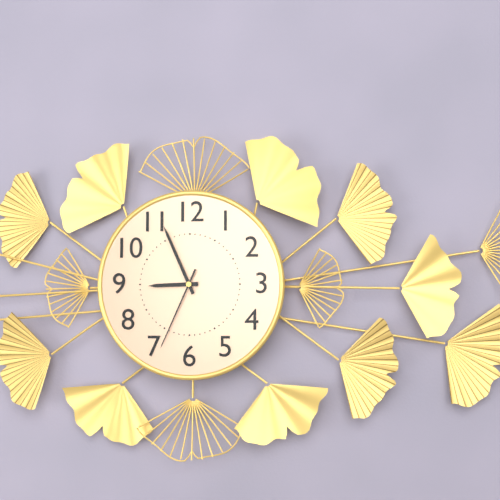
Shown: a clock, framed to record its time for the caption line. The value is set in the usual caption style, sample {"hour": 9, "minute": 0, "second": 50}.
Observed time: {"hour": 8, "minute": 56, "second": 34}
